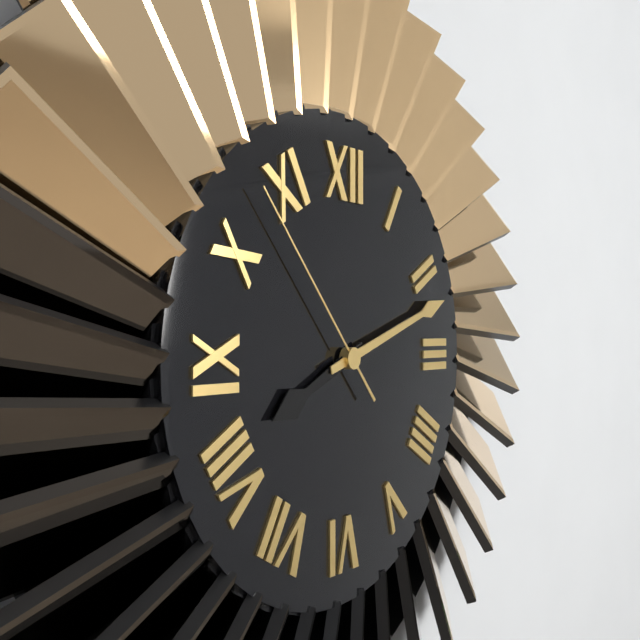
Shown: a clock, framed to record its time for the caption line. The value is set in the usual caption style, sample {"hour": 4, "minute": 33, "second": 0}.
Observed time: {"hour": 8, "minute": 12, "second": 53}
